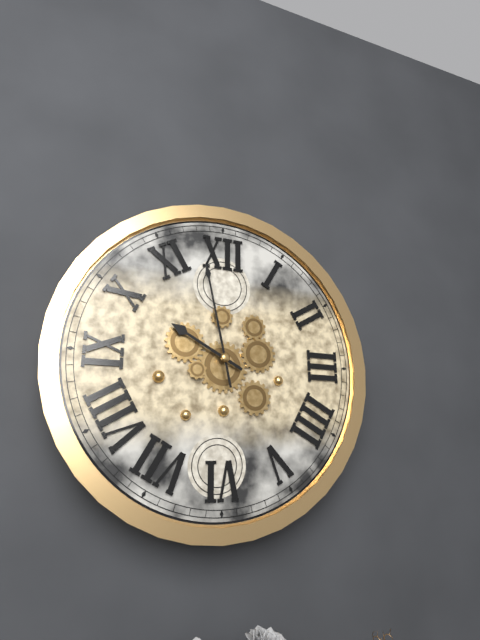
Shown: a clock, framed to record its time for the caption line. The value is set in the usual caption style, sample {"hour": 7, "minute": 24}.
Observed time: {"hour": 9, "minute": 58}
